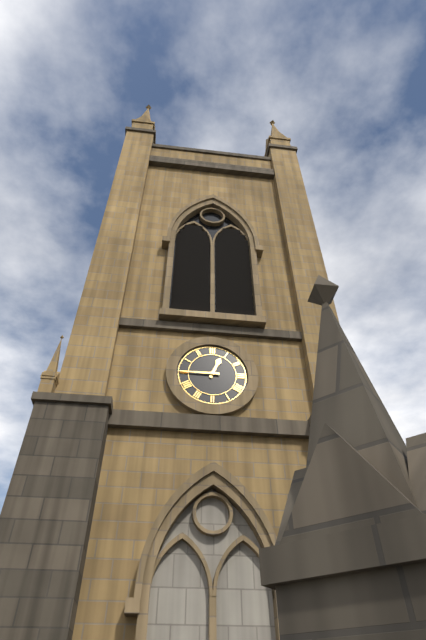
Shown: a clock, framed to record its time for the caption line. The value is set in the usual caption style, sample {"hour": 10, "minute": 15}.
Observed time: {"hour": 12, "minute": 45}
